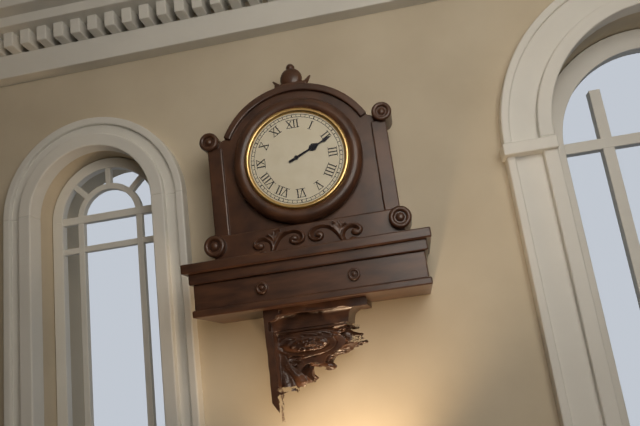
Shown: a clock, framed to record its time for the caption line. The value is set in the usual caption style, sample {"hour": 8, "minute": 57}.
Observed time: {"hour": 2, "minute": 11}
